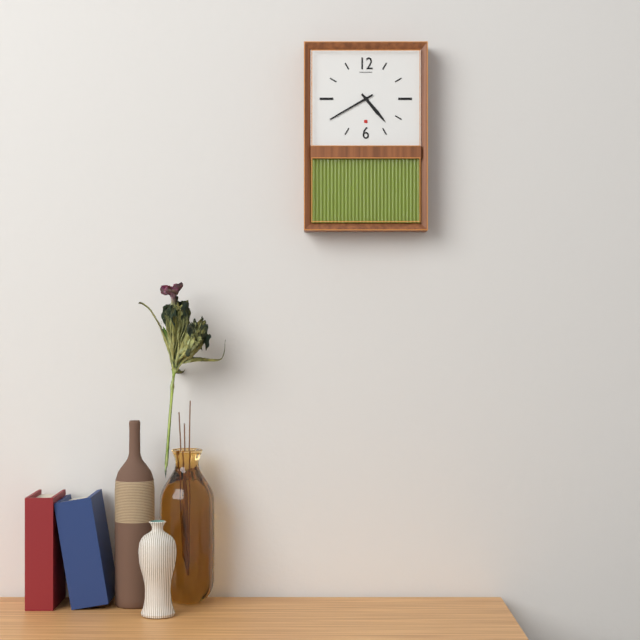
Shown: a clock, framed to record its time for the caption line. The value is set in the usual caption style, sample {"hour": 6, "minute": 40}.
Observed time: {"hour": 4, "minute": 40}
